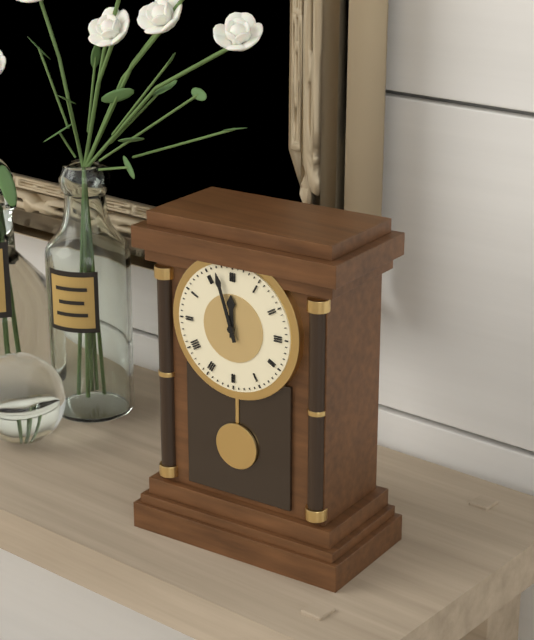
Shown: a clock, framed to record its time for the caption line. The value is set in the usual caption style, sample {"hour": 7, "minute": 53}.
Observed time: {"hour": 11, "minute": 57}
